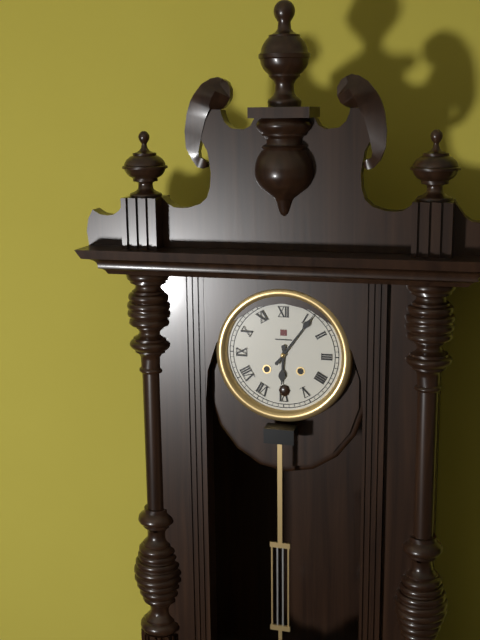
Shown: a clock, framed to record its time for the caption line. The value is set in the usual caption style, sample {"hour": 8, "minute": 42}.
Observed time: {"hour": 6, "minute": 6}
